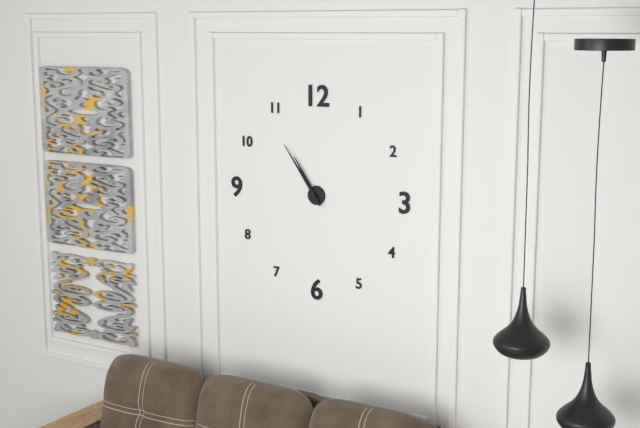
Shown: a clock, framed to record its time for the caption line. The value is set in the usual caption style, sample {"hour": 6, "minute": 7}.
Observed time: {"hour": 10, "minute": 54}
